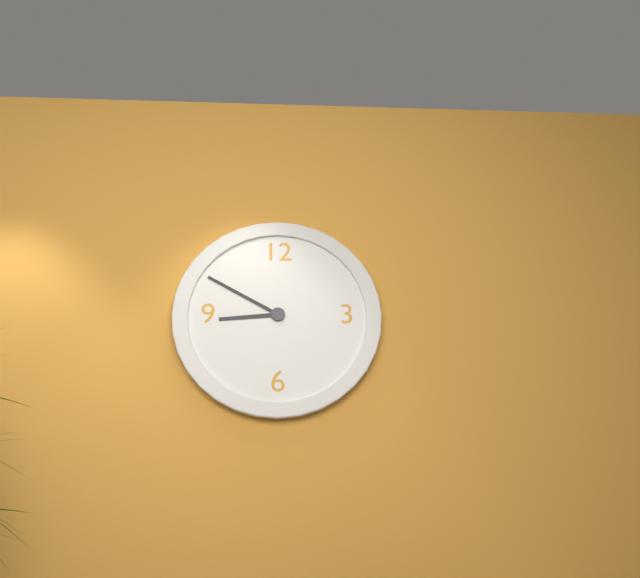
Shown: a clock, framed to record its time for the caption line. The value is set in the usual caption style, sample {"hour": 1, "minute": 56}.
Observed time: {"hour": 8, "minute": 50}
